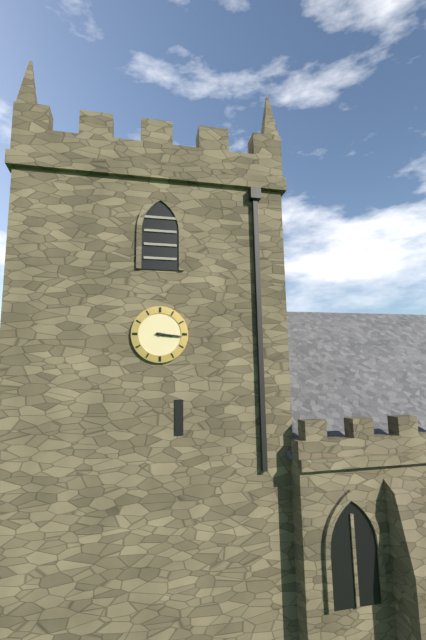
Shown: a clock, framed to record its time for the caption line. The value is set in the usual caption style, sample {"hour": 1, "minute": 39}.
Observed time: {"hour": 3, "minute": 16}
